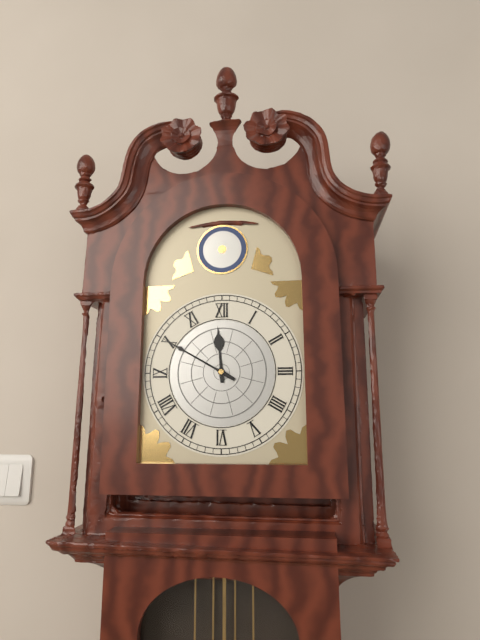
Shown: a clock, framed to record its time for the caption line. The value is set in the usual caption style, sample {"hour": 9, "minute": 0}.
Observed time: {"hour": 11, "minute": 50}
